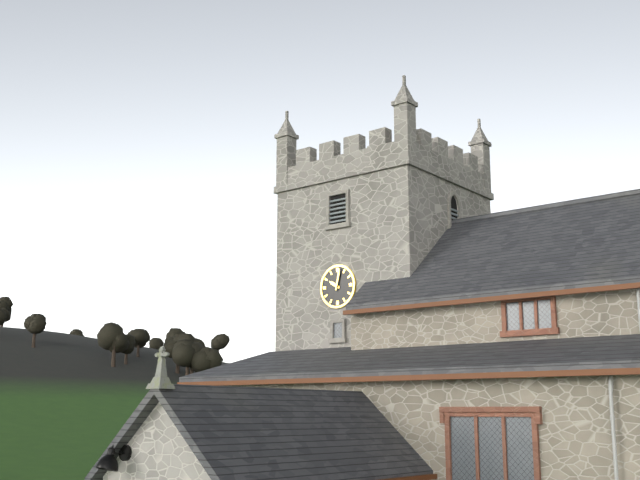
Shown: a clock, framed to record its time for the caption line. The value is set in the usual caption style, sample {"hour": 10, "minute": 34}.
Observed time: {"hour": 10, "minute": 2}
